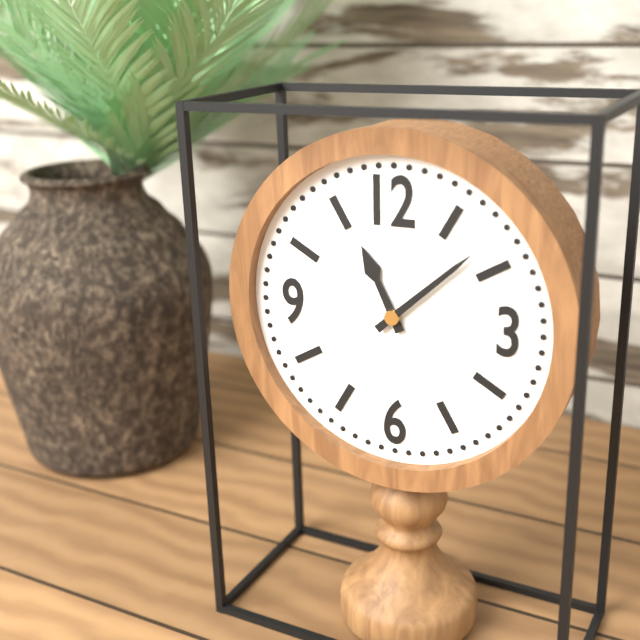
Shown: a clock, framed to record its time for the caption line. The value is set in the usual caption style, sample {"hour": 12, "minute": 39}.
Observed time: {"hour": 11, "minute": 8}
